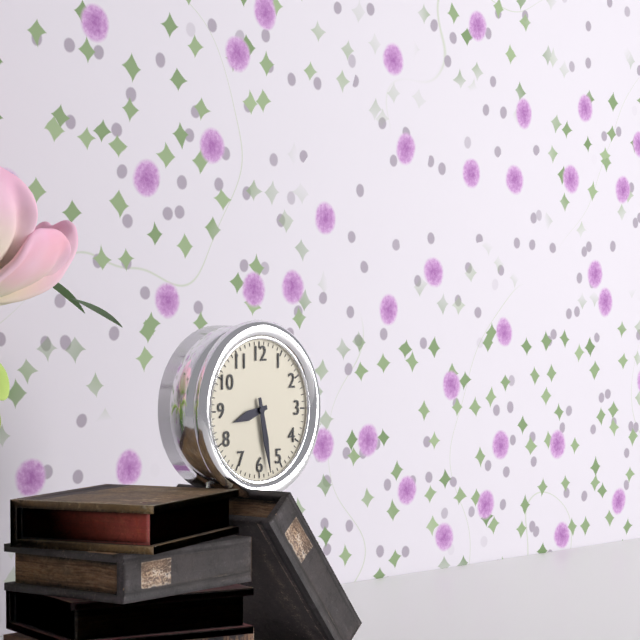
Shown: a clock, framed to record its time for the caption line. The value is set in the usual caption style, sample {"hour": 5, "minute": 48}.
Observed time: {"hour": 8, "minute": 28}
